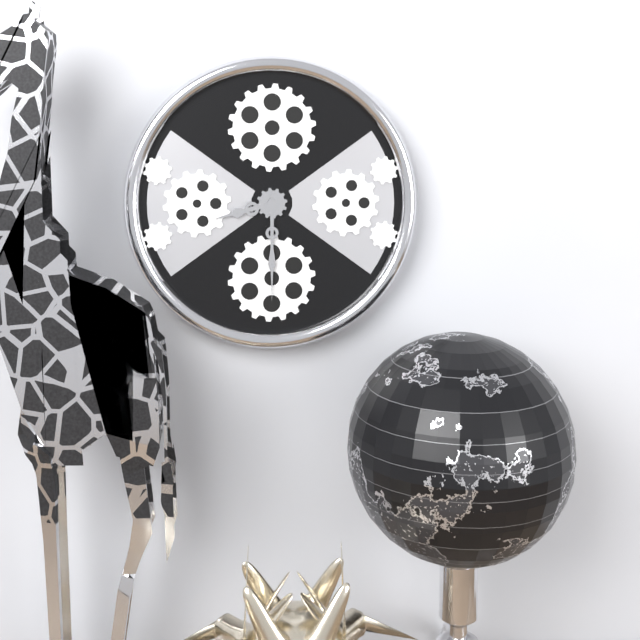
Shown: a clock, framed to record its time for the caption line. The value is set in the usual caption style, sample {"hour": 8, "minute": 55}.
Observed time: {"hour": 8, "minute": 30}
